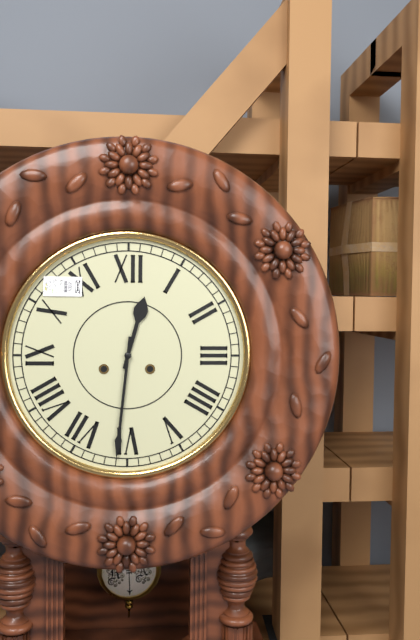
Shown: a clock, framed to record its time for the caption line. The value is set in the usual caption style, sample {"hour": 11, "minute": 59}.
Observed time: {"hour": 12, "minute": 31}
